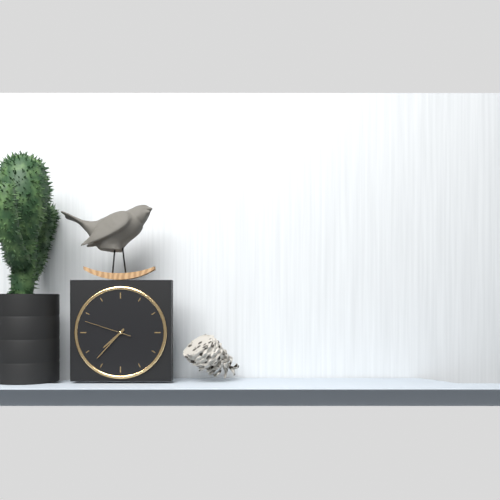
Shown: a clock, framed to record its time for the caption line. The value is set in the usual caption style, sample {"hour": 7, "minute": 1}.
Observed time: {"hour": 7, "minute": 37}
